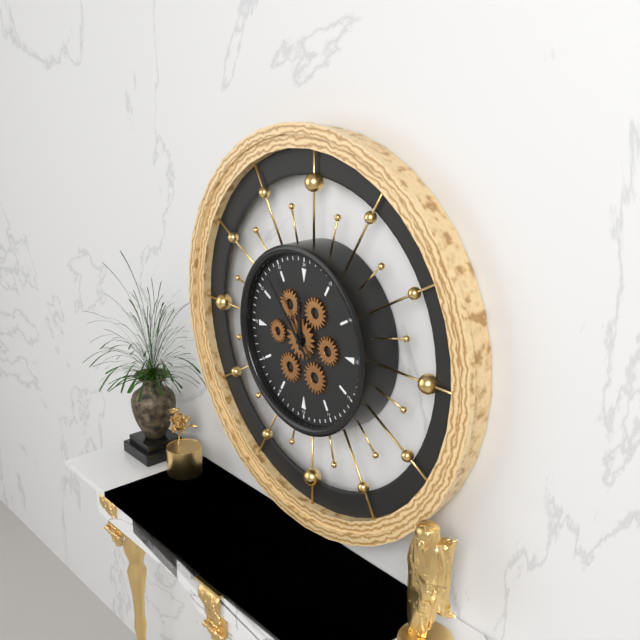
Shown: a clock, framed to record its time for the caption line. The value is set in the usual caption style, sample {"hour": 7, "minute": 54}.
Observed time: {"hour": 11, "minute": 53}
